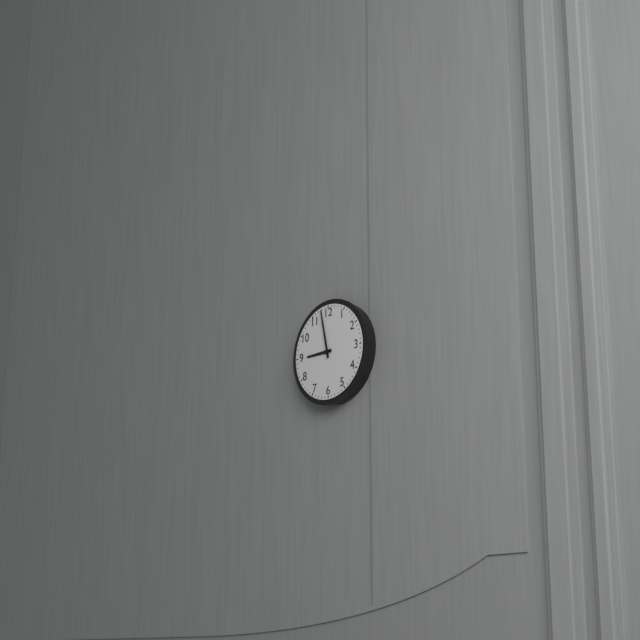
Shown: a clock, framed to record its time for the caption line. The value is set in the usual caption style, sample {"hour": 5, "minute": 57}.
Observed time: {"hour": 8, "minute": 58}
